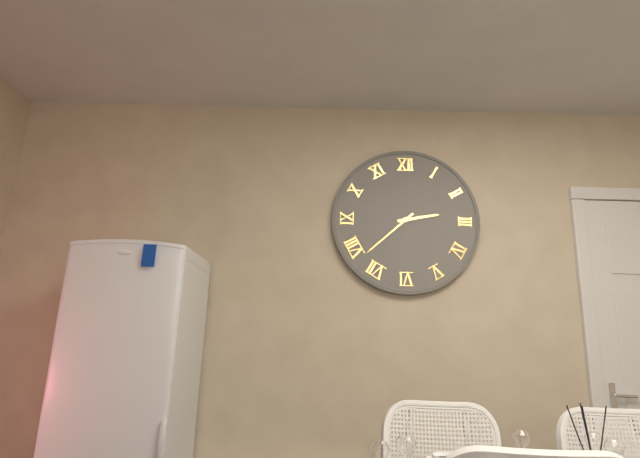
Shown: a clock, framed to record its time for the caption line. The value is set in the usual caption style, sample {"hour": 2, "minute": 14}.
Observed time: {"hour": 2, "minute": 38}
